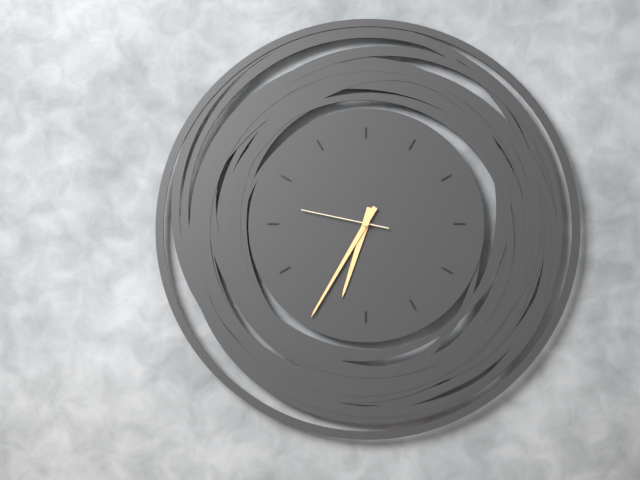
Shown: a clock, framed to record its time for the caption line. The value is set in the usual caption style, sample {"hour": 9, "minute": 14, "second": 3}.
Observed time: {"hour": 6, "minute": 35, "second": 47}
